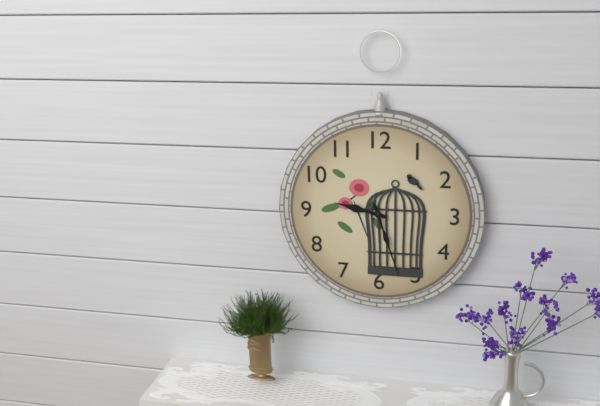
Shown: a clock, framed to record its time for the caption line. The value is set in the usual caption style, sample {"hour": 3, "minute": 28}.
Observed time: {"hour": 9, "minute": 27}
